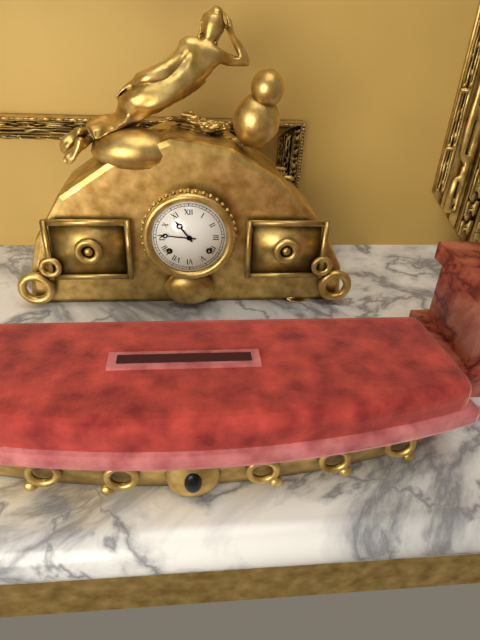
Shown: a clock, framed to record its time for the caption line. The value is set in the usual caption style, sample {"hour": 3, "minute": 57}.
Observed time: {"hour": 10, "minute": 46}
